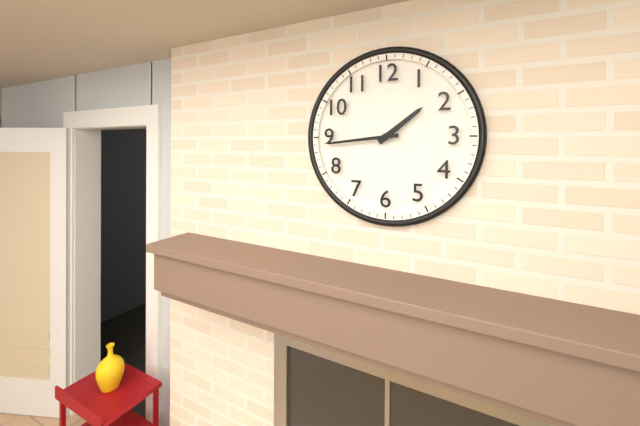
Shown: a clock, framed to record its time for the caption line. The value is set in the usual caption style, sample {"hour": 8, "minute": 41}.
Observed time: {"hour": 1, "minute": 44}
